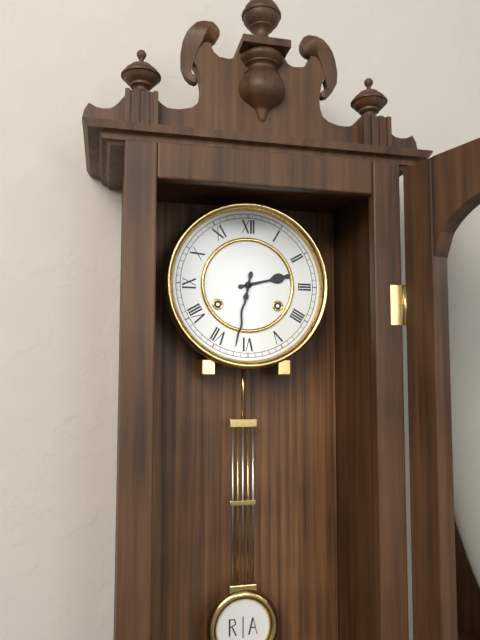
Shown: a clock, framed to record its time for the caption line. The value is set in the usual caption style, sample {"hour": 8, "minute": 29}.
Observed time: {"hour": 2, "minute": 32}
